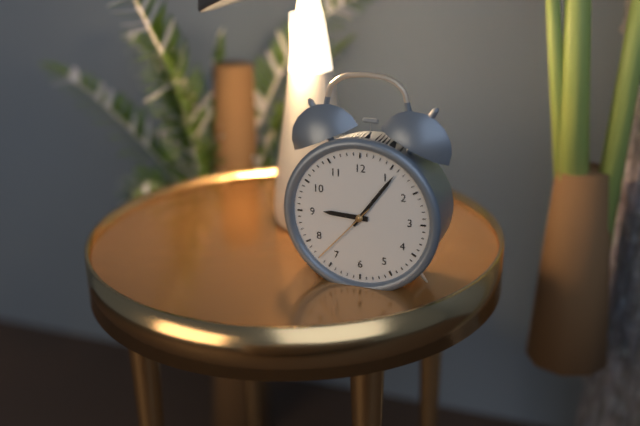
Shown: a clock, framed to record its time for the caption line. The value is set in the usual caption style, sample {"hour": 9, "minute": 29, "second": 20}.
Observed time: {"hour": 9, "minute": 6, "second": 37}
